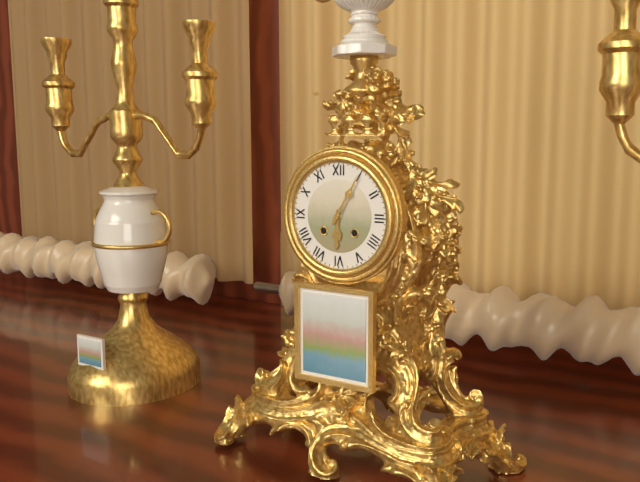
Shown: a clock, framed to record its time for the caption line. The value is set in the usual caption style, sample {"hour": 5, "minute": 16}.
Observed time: {"hour": 6, "minute": 5}
